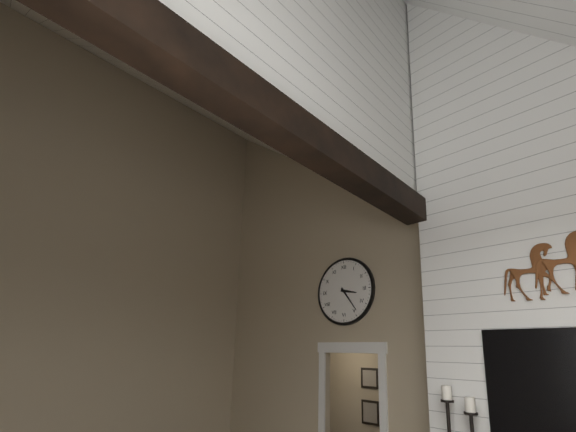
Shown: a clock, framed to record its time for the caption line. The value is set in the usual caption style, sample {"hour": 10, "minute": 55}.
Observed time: {"hour": 3, "minute": 24}
